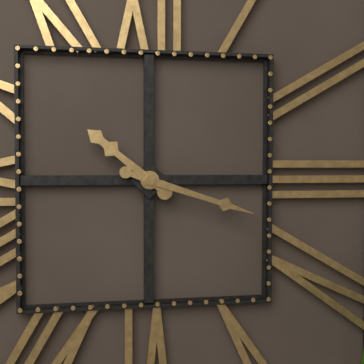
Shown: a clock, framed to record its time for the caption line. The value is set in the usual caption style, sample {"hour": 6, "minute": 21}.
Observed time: {"hour": 10, "minute": 18}
